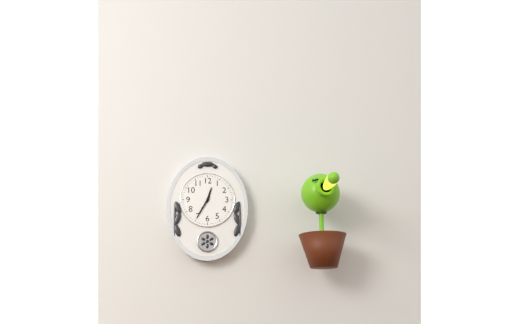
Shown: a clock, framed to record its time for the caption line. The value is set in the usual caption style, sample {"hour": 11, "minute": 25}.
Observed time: {"hour": 12, "minute": 35}
